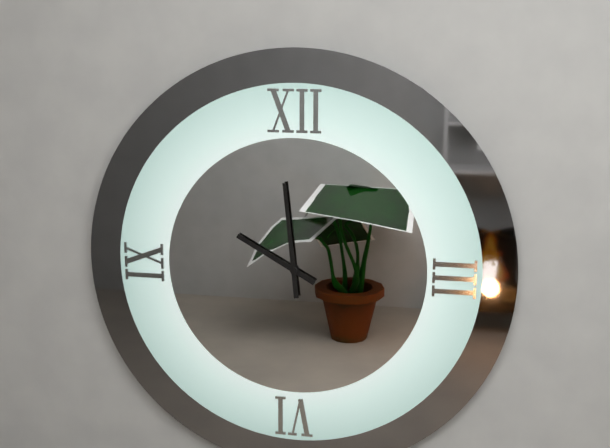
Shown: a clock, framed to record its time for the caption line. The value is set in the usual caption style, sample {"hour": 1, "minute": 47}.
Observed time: {"hour": 9, "minute": 59}
